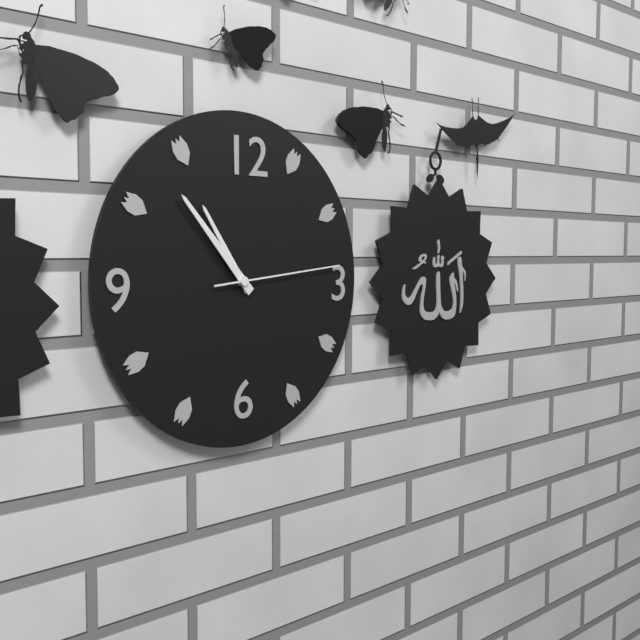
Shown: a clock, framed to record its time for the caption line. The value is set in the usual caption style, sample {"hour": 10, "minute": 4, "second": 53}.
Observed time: {"hour": 10, "minute": 53, "second": 14}
